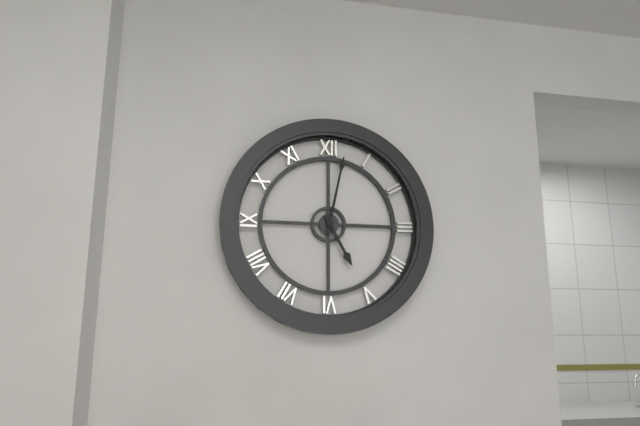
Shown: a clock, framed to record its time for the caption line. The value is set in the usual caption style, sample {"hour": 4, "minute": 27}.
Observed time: {"hour": 5, "minute": 2}
